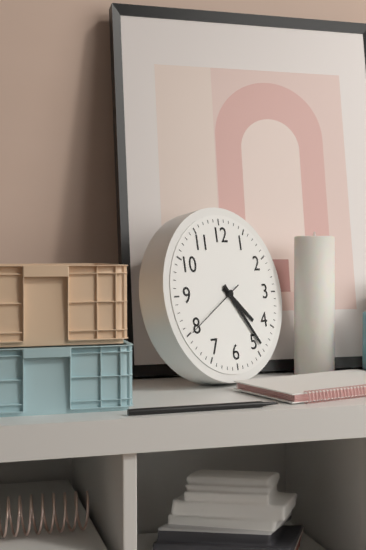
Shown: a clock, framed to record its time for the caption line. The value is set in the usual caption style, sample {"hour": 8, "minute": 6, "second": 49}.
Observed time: {"hour": 4, "minute": 24, "second": 40}
